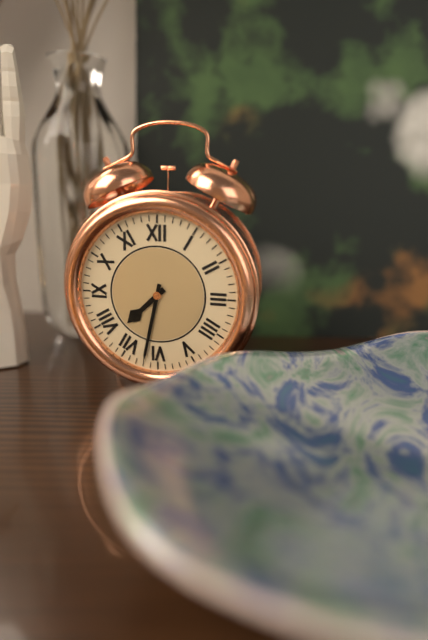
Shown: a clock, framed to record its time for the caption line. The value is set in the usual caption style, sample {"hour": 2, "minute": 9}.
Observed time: {"hour": 7, "minute": 32}
